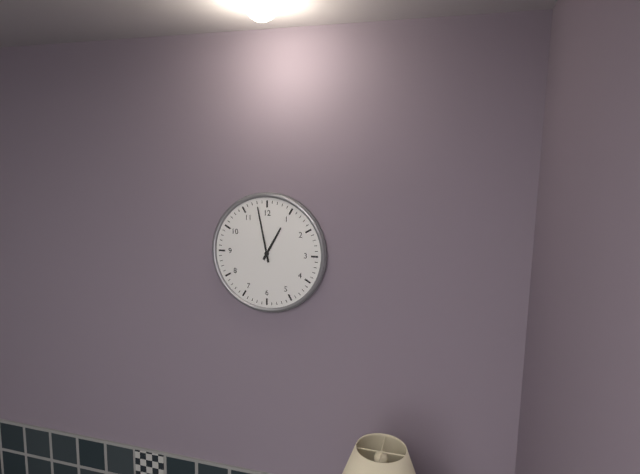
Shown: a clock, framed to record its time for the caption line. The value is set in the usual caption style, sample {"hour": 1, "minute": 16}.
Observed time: {"hour": 12, "minute": 58}
